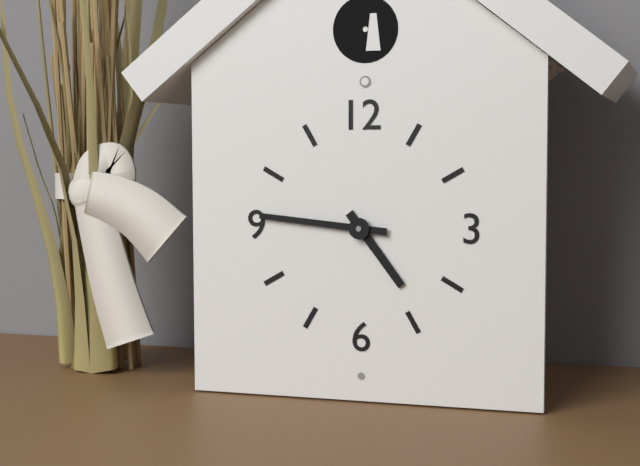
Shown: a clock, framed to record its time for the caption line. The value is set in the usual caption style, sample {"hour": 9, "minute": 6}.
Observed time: {"hour": 4, "minute": 46}
